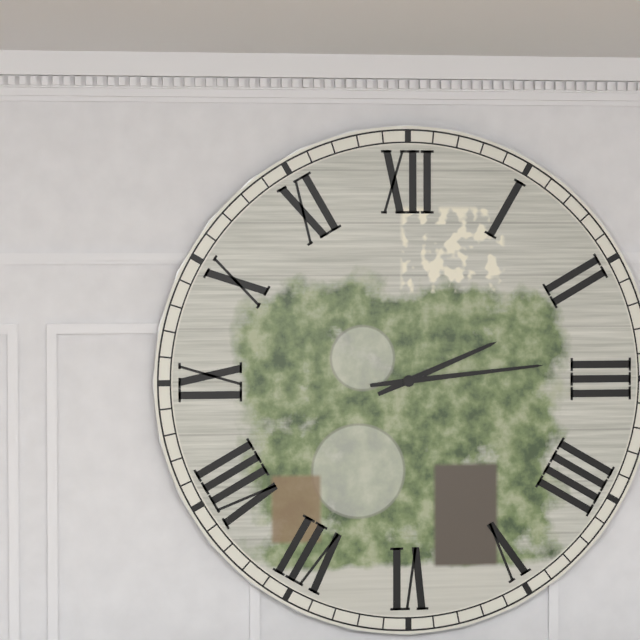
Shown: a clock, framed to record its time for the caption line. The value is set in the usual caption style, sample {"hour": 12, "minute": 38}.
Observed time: {"hour": 2, "minute": 14}
